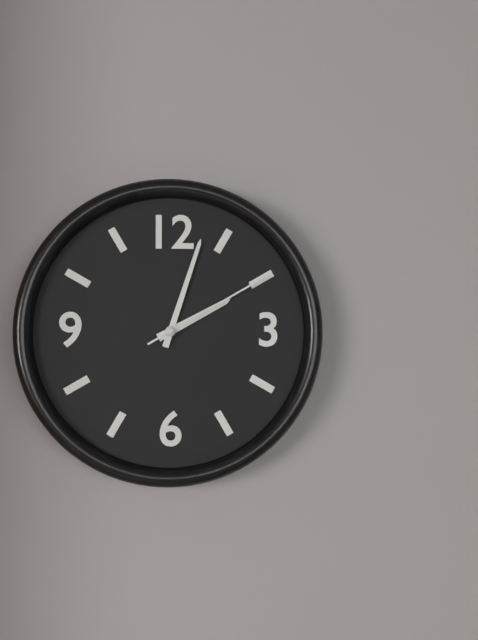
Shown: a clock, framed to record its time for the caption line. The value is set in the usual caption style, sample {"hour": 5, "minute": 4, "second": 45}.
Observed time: {"hour": 2, "minute": 3, "second": 10}
